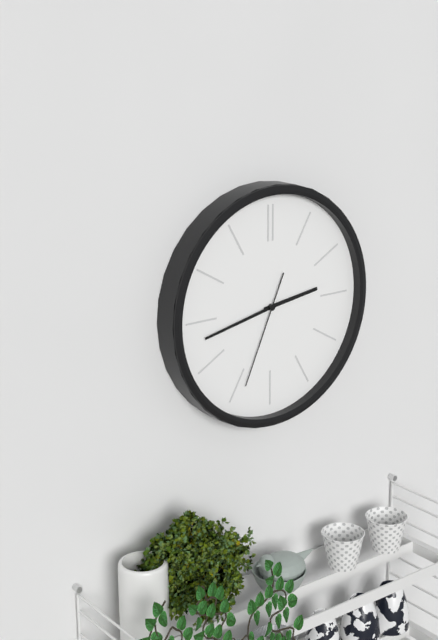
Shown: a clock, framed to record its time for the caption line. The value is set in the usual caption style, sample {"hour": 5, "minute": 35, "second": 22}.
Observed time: {"hour": 2, "minute": 43, "second": 34}
